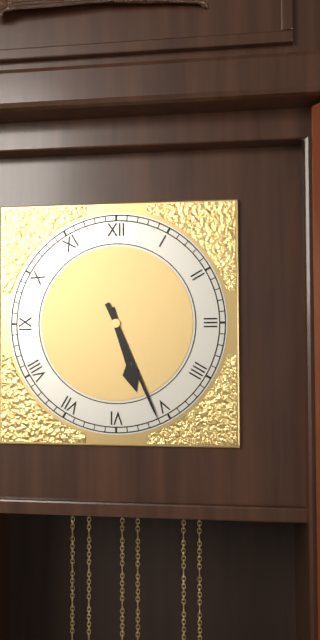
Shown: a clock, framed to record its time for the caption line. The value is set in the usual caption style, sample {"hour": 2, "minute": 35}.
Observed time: {"hour": 5, "minute": 26}
